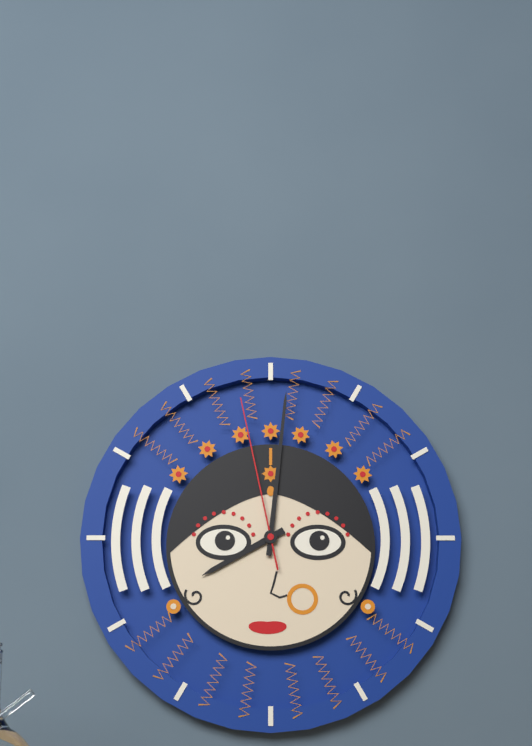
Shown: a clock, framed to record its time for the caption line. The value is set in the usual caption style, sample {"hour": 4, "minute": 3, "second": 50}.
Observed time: {"hour": 8, "minute": 1, "second": 58}
